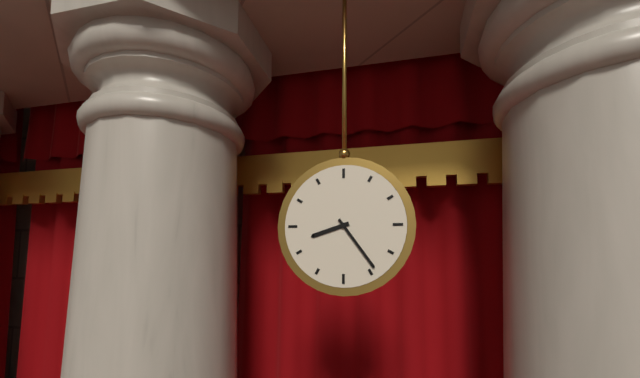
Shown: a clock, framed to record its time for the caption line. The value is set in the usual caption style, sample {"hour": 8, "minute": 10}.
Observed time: {"hour": 8, "minute": 24}
